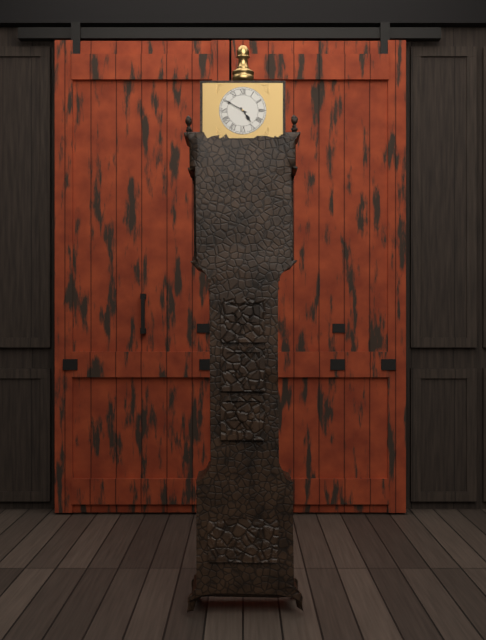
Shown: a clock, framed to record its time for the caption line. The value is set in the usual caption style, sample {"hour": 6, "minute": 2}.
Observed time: {"hour": 4, "minute": 50}
